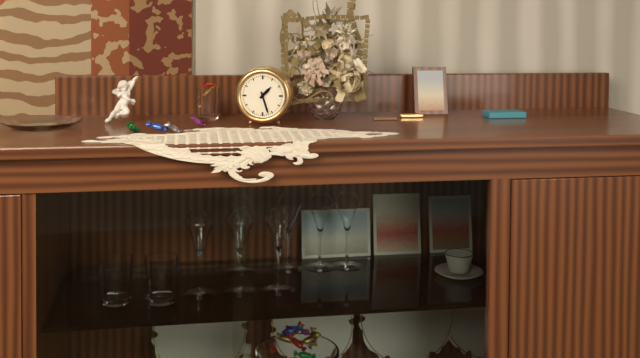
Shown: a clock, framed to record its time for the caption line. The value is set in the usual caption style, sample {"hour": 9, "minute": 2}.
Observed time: {"hour": 1, "minute": 27}
